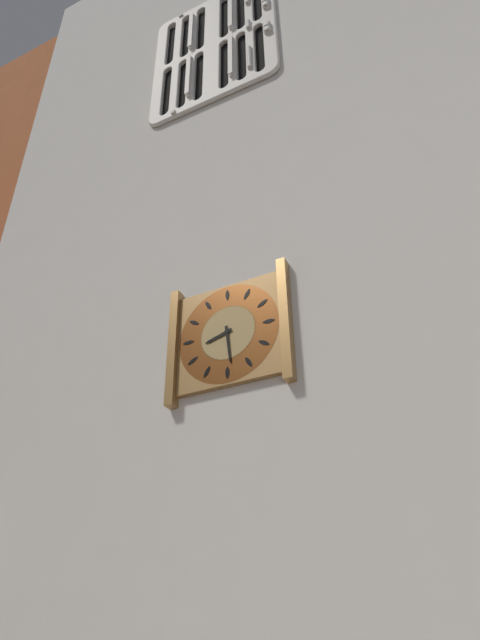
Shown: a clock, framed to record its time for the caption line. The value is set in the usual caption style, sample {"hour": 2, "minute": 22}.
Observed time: {"hour": 8, "minute": 29}
